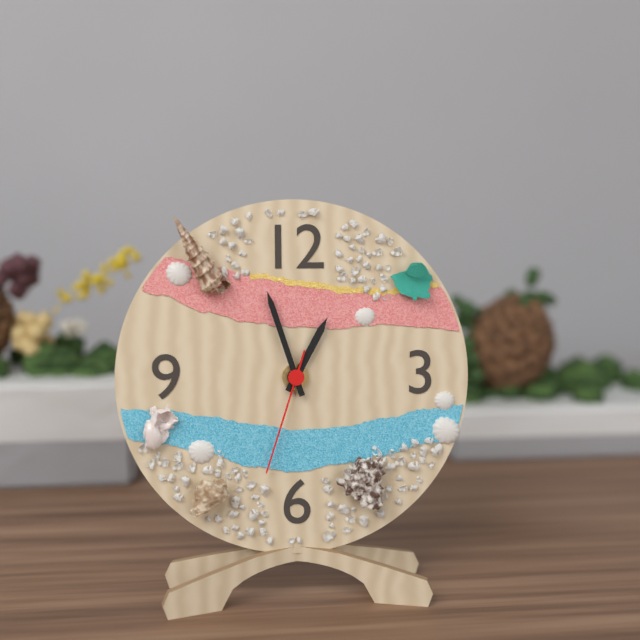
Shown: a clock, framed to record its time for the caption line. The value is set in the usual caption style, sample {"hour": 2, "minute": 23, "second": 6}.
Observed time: {"hour": 12, "minute": 57, "second": 33}
